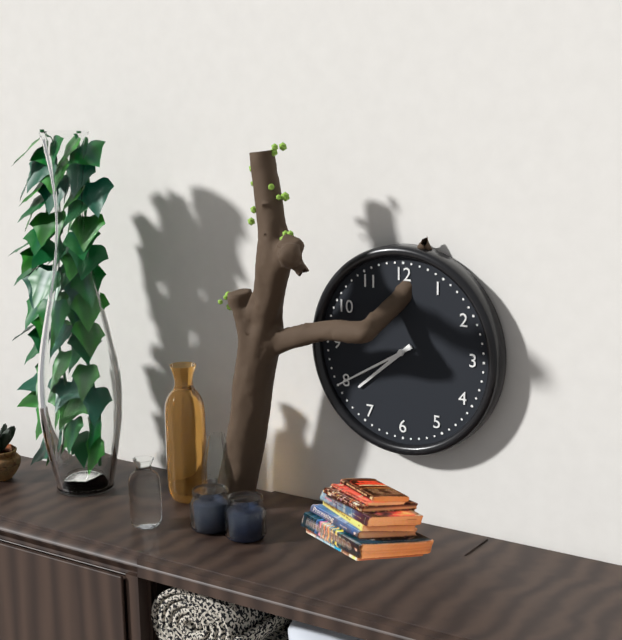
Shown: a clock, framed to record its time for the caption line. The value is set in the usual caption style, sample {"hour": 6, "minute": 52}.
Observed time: {"hour": 7, "minute": 40}
